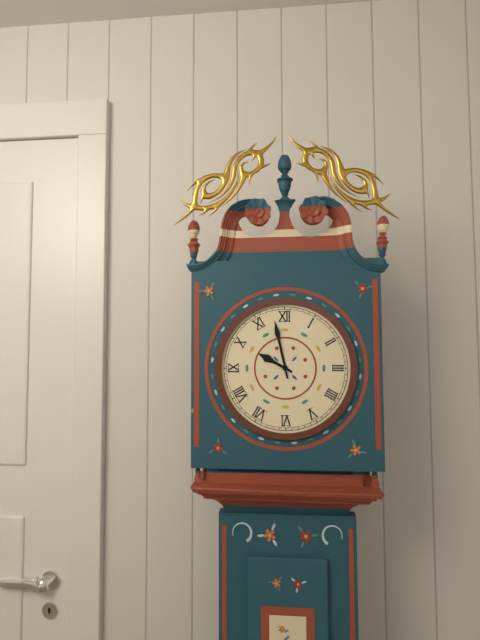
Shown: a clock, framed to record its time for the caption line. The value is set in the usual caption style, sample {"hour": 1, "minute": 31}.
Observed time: {"hour": 9, "minute": 58}
